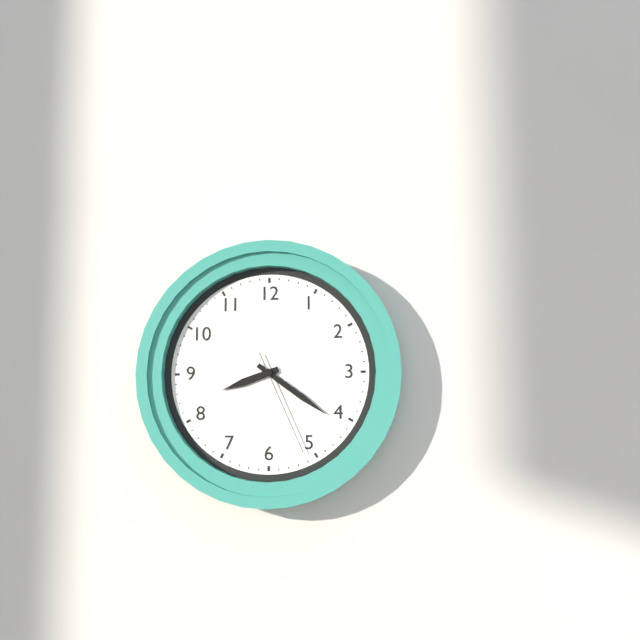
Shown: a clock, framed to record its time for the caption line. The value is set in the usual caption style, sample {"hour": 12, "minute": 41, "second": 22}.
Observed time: {"hour": 8, "minute": 21, "second": 26}
